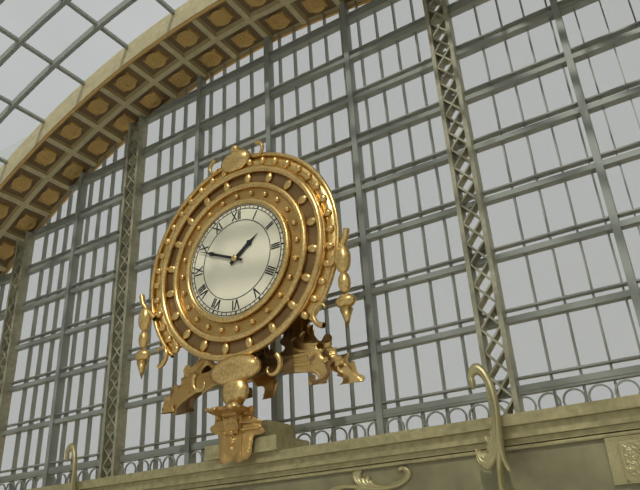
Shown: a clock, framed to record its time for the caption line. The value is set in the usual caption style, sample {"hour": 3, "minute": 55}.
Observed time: {"hour": 1, "minute": 49}
